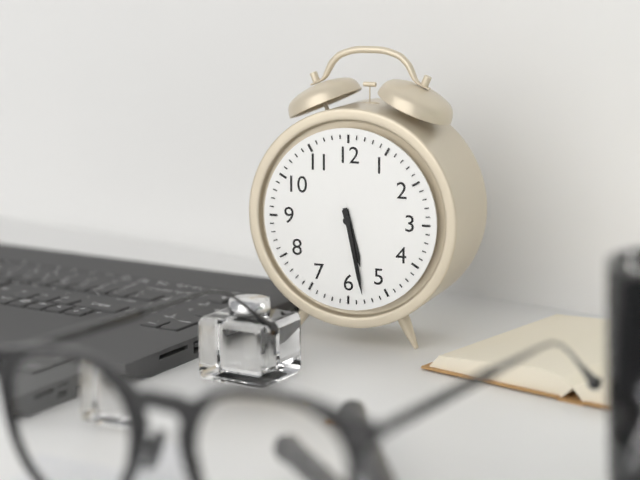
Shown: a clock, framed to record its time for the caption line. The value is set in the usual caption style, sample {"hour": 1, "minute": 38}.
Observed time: {"hour": 5, "minute": 28}
